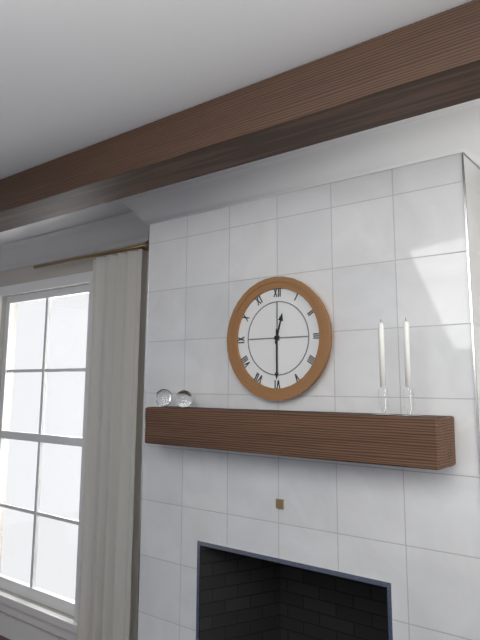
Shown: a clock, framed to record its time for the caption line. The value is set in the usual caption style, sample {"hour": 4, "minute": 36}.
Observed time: {"hour": 12, "minute": 30}
